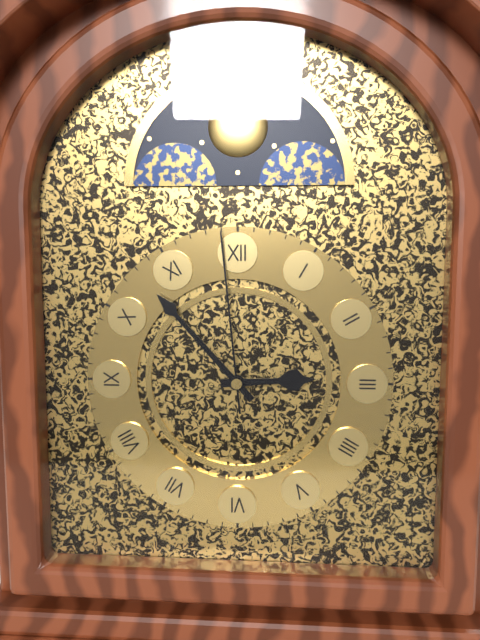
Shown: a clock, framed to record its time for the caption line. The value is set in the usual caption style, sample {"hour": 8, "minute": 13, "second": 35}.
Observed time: {"hour": 2, "minute": 53, "second": 59}
